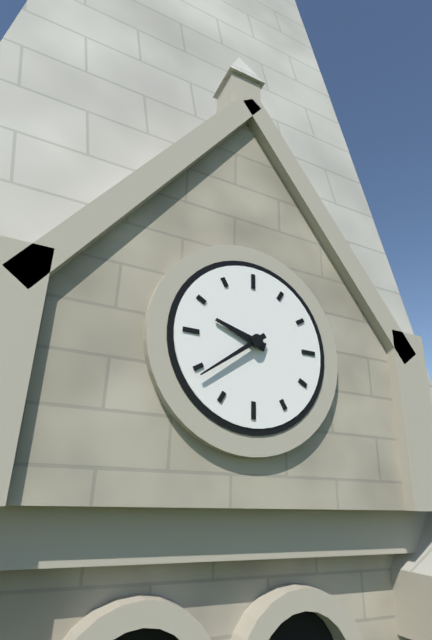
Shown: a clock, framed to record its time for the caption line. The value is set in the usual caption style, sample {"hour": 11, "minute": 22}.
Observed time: {"hour": 9, "minute": 39}
